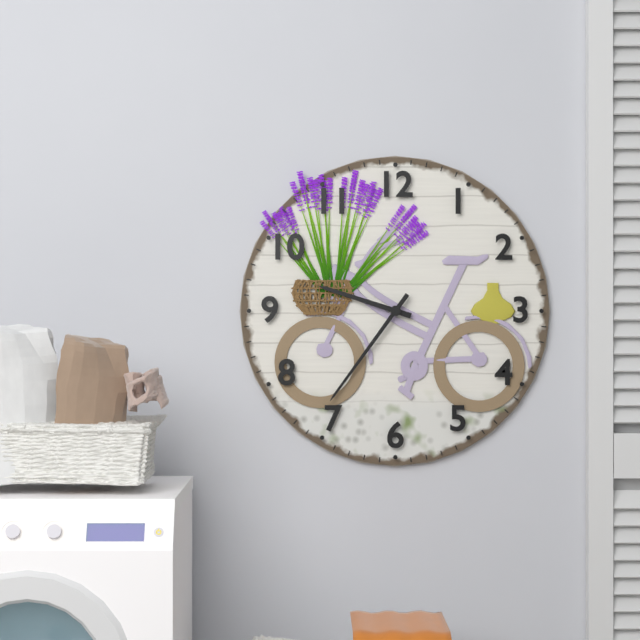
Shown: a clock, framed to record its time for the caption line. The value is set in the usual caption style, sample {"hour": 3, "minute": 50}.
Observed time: {"hour": 9, "minute": 36}
